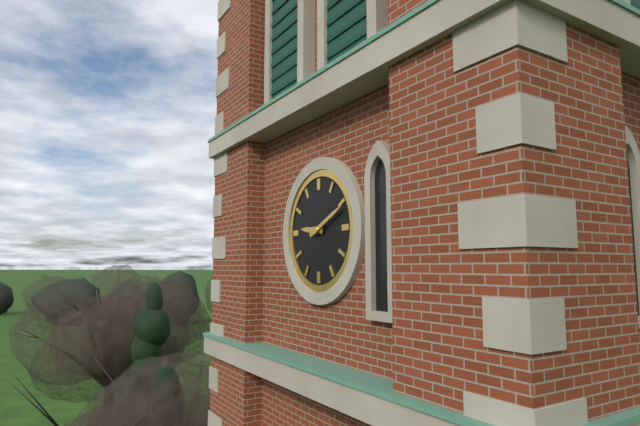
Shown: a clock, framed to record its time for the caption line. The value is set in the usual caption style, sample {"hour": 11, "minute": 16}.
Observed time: {"hour": 9, "minute": 11}
